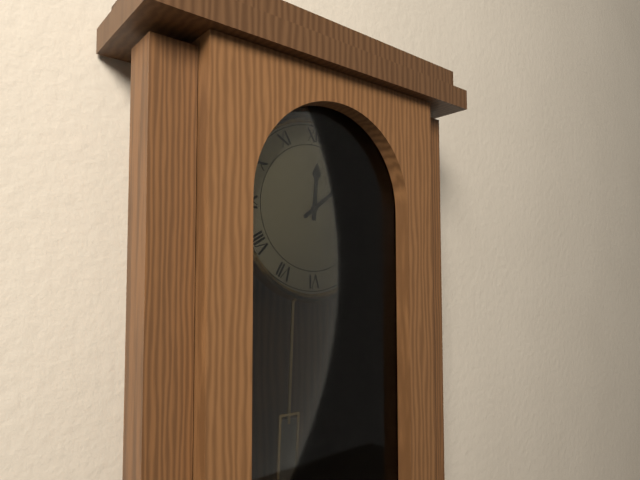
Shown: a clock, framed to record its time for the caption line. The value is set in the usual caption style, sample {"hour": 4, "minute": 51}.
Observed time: {"hour": 12, "minute": 9}
